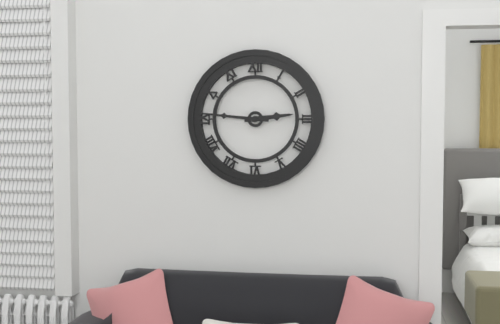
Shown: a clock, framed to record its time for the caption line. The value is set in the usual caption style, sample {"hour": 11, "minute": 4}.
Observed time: {"hour": 2, "minute": 46}
